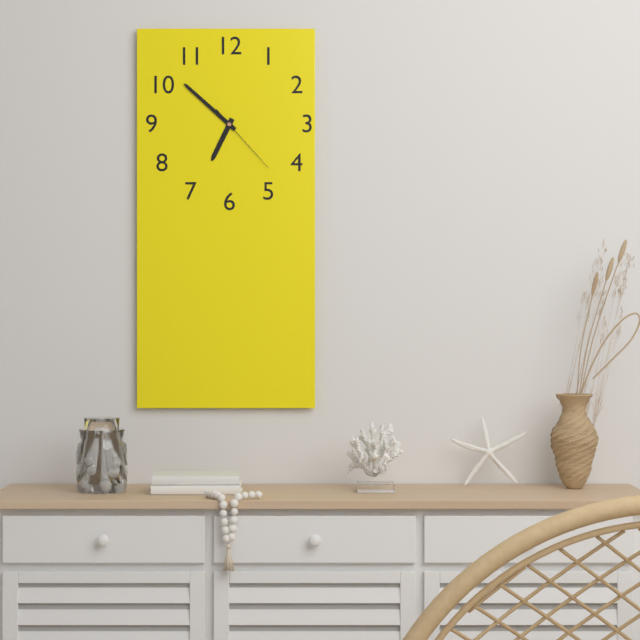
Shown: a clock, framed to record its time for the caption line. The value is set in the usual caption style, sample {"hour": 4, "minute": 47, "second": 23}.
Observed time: {"hour": 6, "minute": 52, "second": 23}
